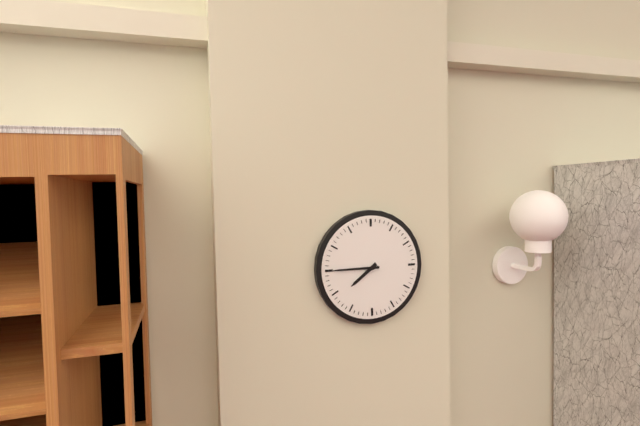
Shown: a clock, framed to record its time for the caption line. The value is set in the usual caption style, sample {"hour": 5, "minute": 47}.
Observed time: {"hour": 7, "minute": 45}
